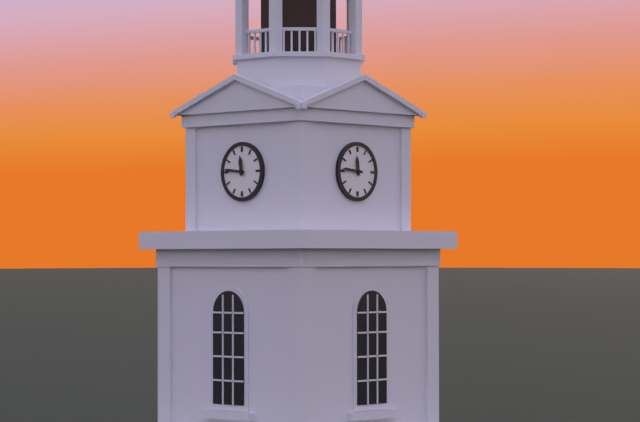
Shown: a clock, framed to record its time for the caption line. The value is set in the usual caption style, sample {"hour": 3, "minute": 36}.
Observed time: {"hour": 11, "minute": 46}
